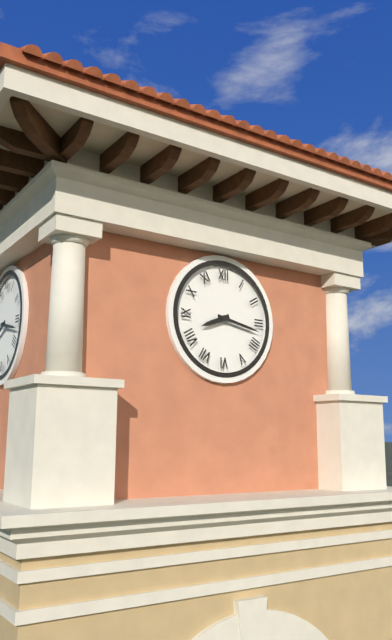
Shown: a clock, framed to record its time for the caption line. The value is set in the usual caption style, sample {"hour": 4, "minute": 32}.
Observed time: {"hour": 8, "minute": 17}
